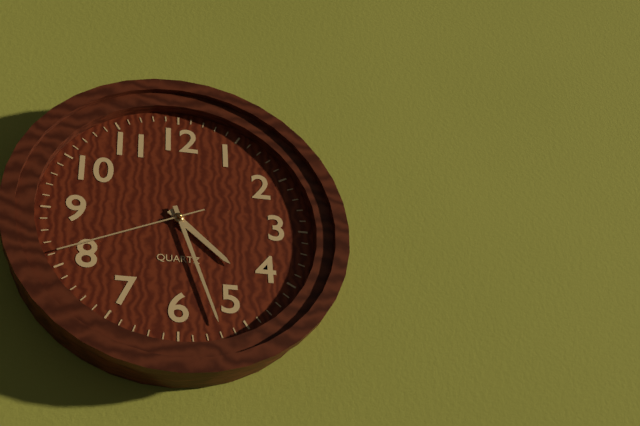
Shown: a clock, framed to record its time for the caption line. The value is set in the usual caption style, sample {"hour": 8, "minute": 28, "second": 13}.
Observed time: {"hour": 4, "minute": 27, "second": 41}
